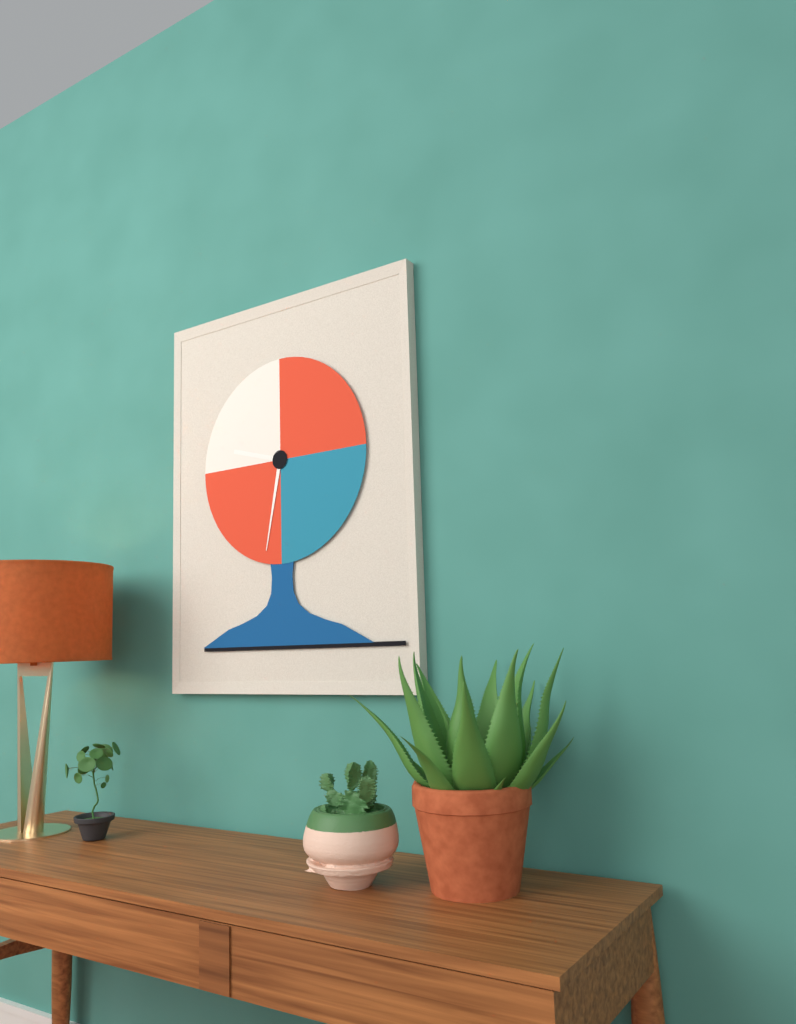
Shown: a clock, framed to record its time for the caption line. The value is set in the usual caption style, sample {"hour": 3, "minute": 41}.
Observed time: {"hour": 9, "minute": 32}
